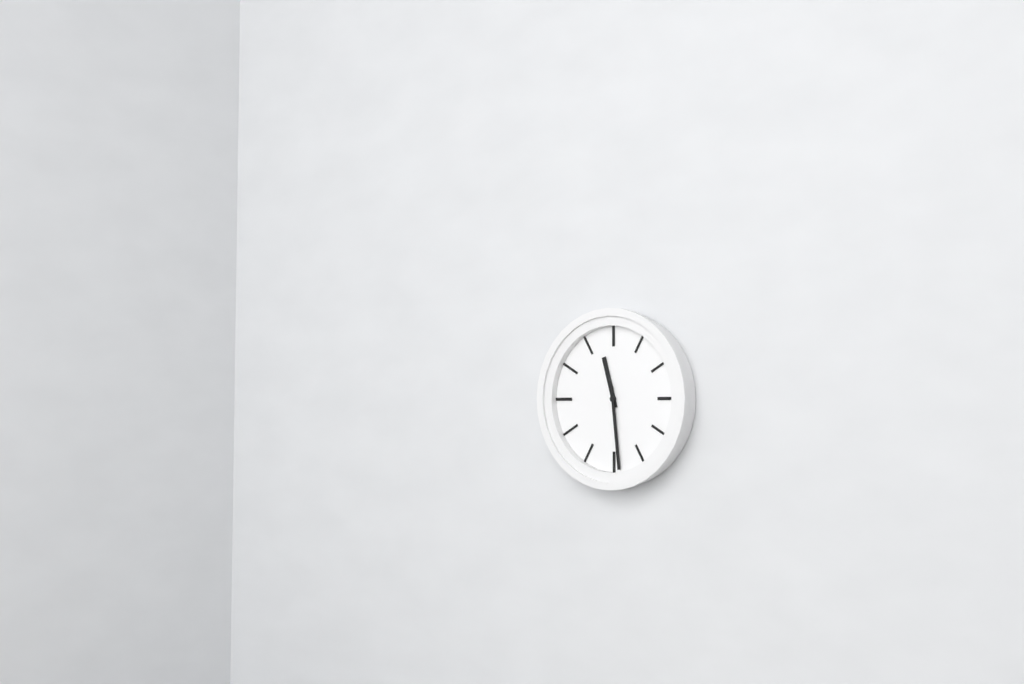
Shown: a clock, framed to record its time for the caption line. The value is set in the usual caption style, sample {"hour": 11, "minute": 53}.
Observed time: {"hour": 11, "minute": 29}
